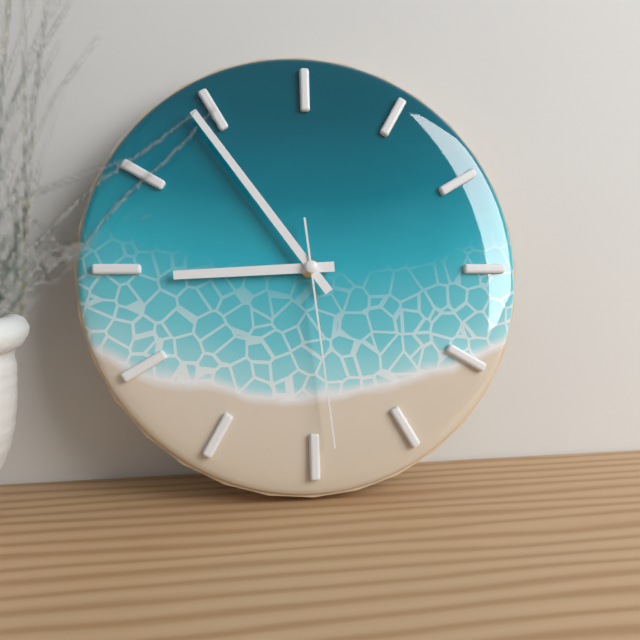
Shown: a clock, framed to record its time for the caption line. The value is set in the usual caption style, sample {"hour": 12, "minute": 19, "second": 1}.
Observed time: {"hour": 8, "minute": 54, "second": 29}
